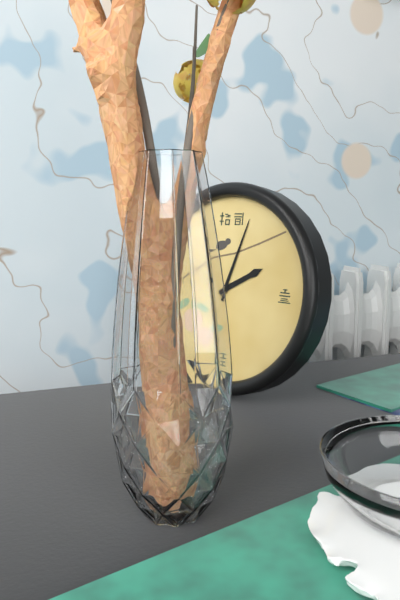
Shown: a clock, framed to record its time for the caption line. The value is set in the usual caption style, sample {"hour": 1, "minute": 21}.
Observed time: {"hour": 2, "minute": 3}
